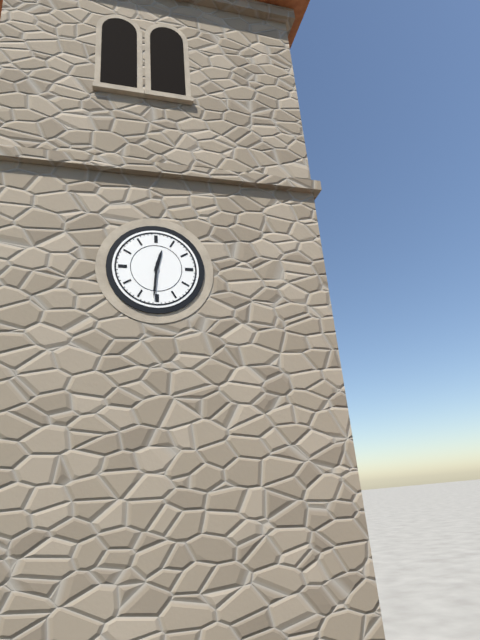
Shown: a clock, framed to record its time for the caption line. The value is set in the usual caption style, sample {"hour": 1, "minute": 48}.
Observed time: {"hour": 12, "minute": 31}
